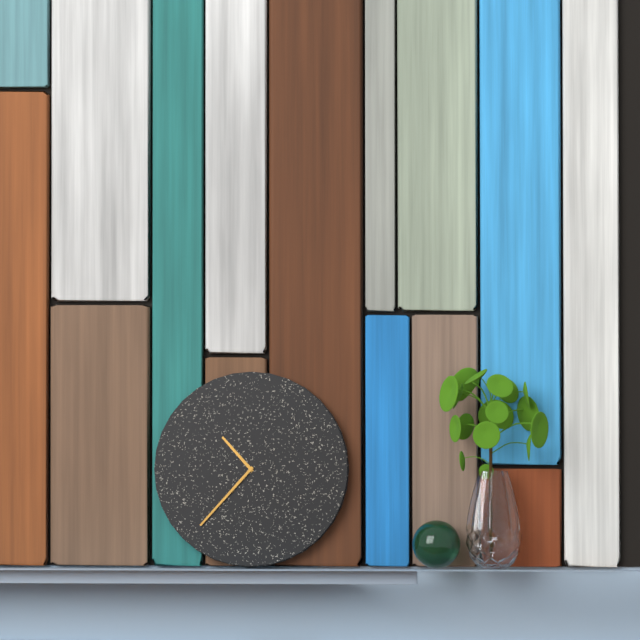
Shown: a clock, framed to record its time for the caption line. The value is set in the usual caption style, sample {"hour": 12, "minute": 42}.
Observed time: {"hour": 10, "minute": 37}
